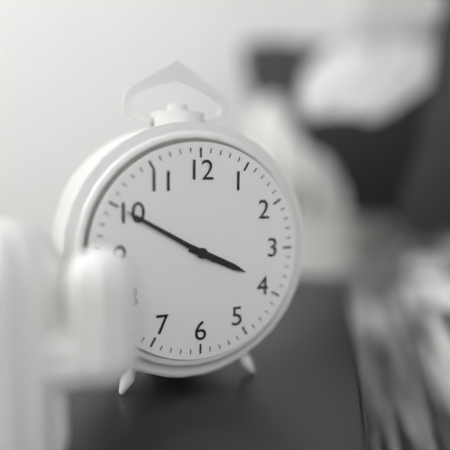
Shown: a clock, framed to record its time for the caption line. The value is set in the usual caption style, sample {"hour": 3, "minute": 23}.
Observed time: {"hour": 3, "minute": 50}
